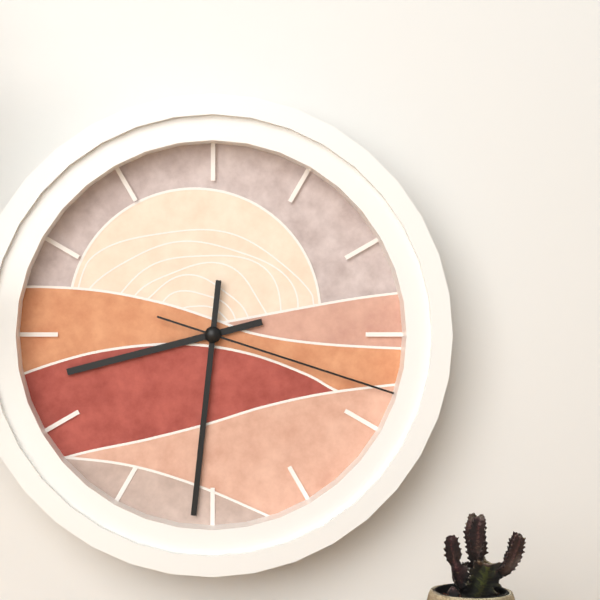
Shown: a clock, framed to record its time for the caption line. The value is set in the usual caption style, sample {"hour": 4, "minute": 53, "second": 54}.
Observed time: {"hour": 8, "minute": 31, "second": 18}
